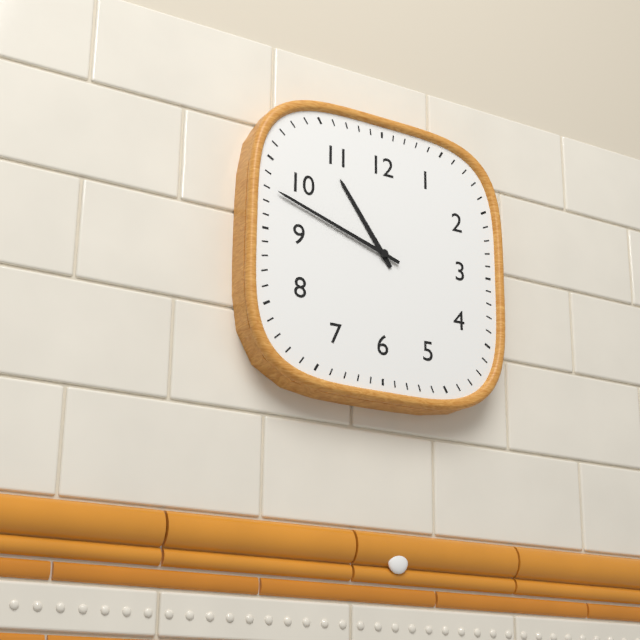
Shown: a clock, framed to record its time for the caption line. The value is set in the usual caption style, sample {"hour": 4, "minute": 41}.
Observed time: {"hour": 10, "minute": 48}
